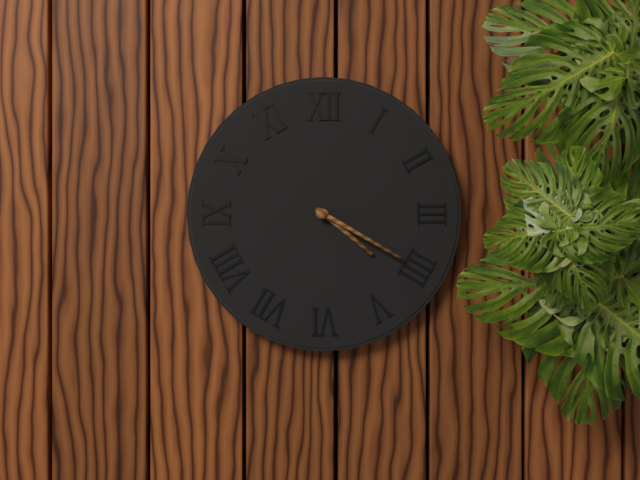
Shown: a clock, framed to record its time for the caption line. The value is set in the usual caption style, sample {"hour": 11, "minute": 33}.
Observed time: {"hour": 4, "minute": 20}
